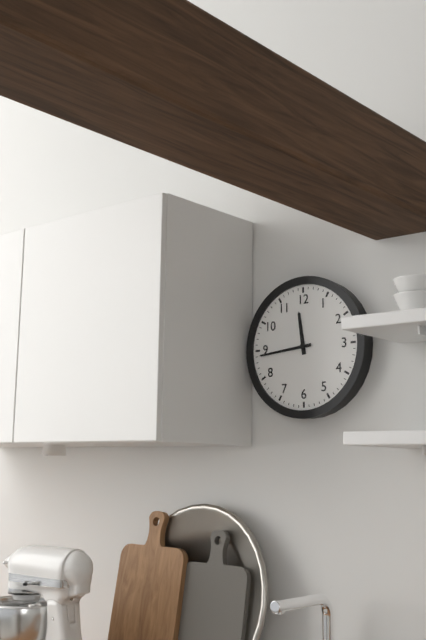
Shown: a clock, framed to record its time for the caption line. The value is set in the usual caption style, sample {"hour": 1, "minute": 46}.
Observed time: {"hour": 11, "minute": 44}
